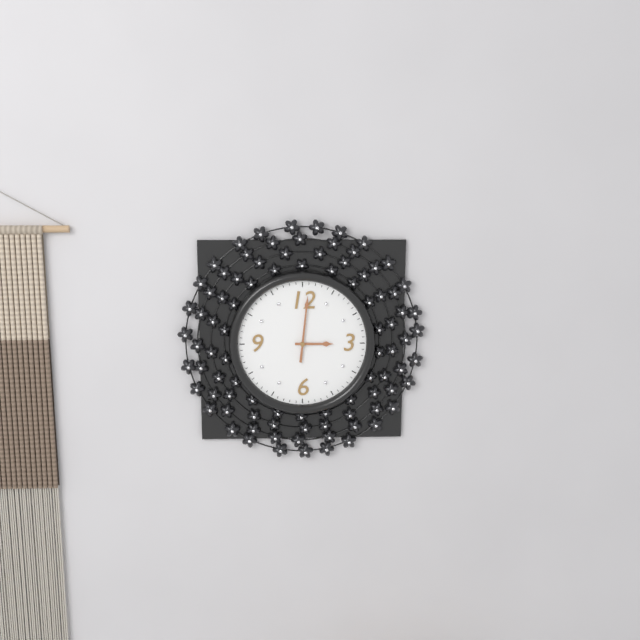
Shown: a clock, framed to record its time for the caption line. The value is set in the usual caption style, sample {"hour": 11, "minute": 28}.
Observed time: {"hour": 3, "minute": 1}
